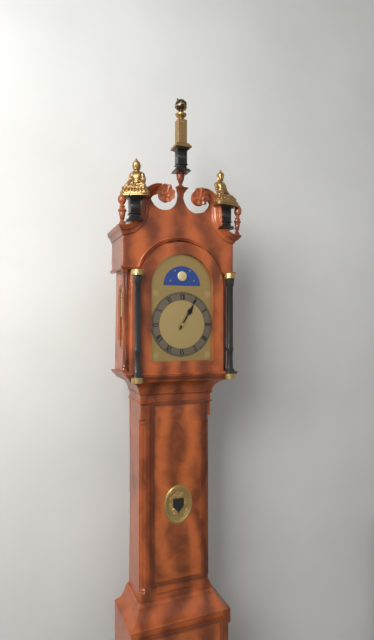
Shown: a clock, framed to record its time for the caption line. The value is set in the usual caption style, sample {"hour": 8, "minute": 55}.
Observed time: {"hour": 1, "minute": 5}
